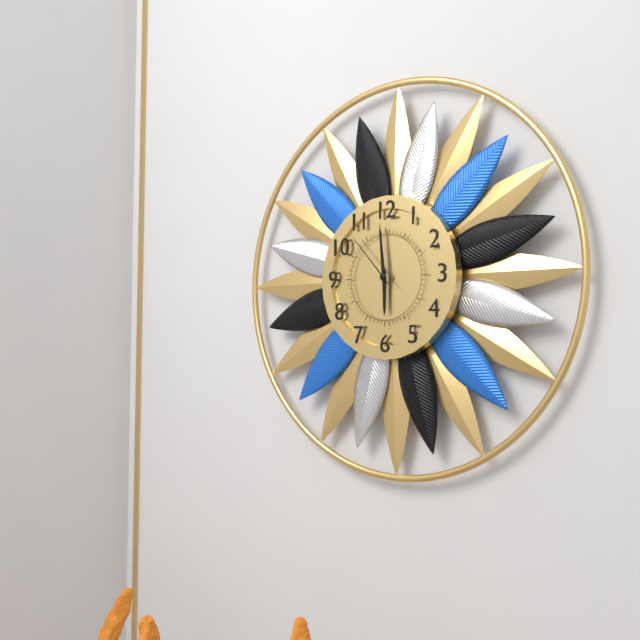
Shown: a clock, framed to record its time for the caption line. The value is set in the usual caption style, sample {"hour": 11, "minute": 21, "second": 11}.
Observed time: {"hour": 5, "minute": 59, "second": 53}
